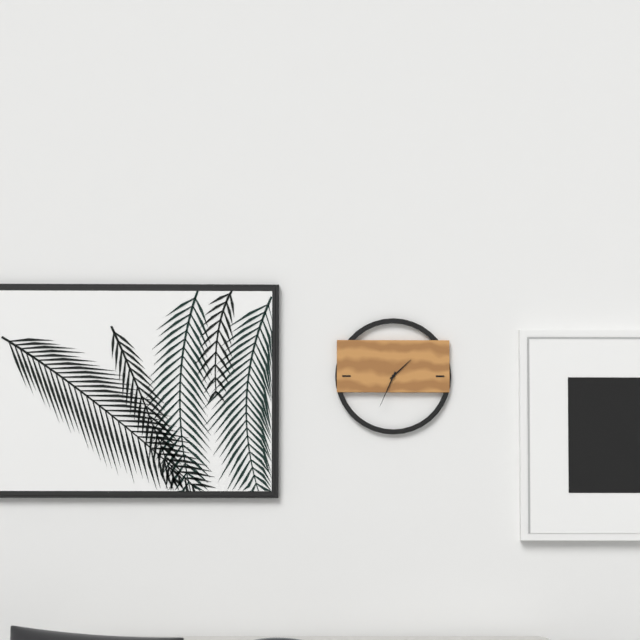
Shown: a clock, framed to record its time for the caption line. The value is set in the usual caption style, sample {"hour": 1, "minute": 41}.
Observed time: {"hour": 1, "minute": 34}
